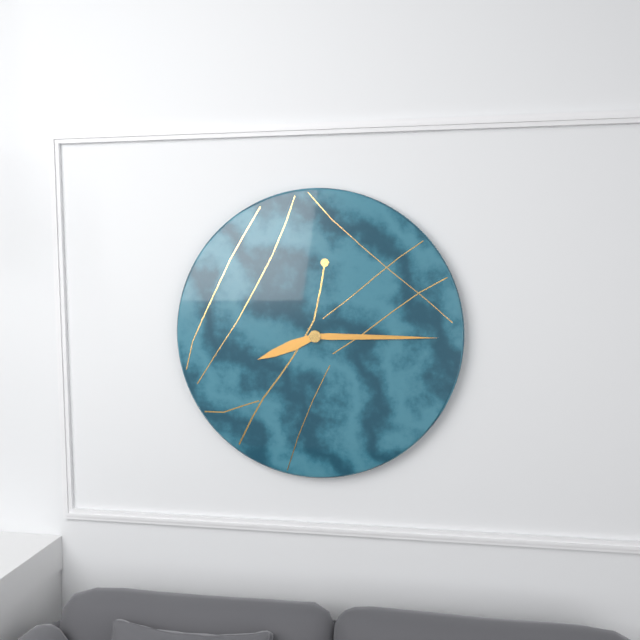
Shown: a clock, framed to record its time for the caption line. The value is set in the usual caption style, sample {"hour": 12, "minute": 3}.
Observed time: {"hour": 8, "minute": 15}
